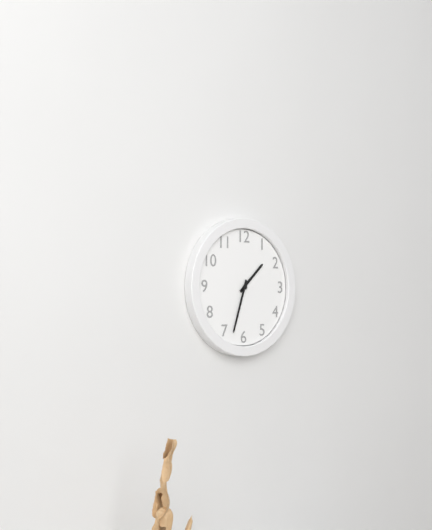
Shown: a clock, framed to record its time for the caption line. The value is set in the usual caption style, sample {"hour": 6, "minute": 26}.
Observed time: {"hour": 1, "minute": 33}
